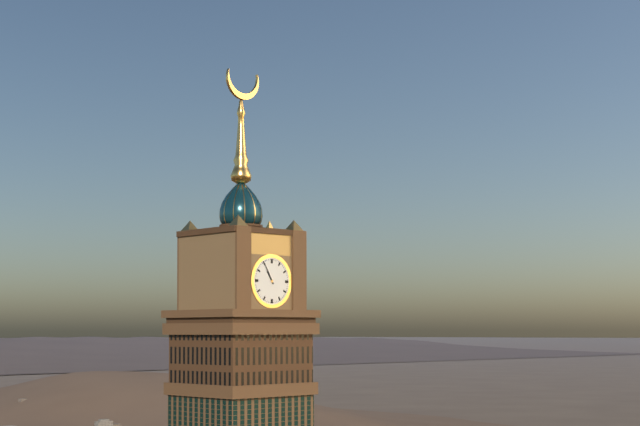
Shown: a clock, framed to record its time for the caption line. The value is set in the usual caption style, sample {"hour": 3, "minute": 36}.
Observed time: {"hour": 10, "minute": 55}
